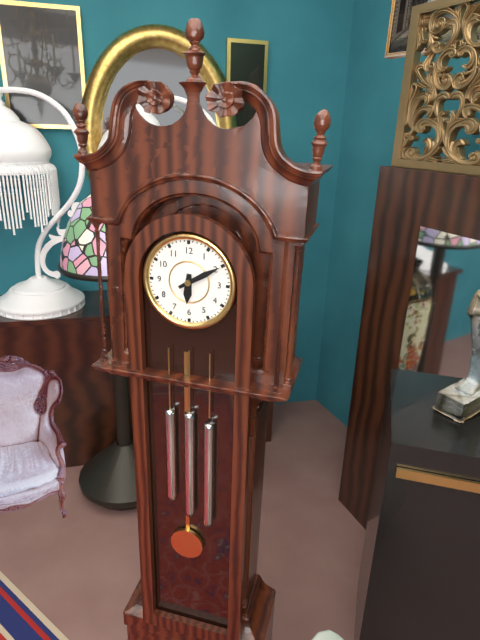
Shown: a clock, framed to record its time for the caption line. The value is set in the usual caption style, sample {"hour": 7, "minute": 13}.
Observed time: {"hour": 6, "minute": 10}
